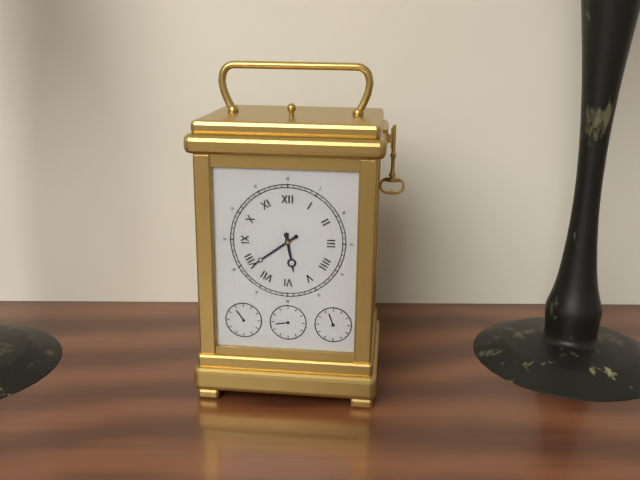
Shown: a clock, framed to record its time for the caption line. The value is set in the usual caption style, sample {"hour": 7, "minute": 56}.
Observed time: {"hour": 5, "minute": 39}
